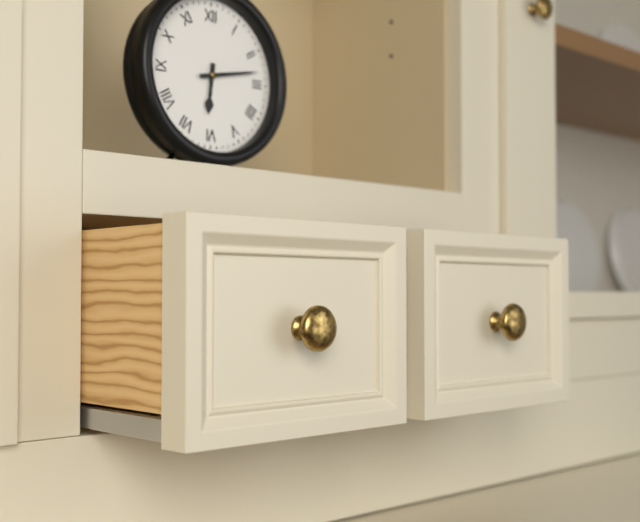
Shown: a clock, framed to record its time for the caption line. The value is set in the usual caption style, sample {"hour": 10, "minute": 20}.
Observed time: {"hour": 6, "minute": 13}
